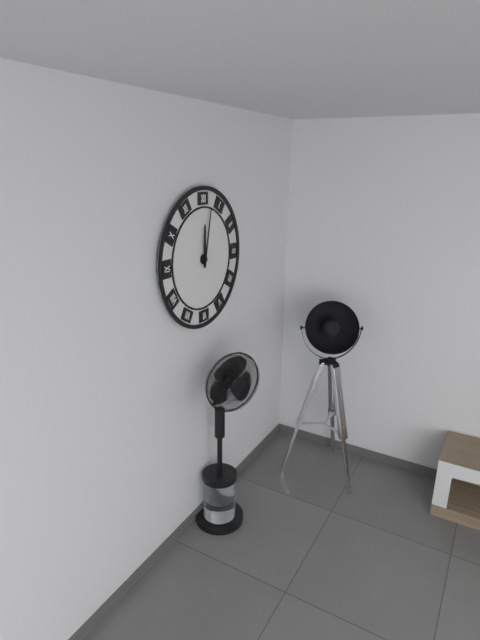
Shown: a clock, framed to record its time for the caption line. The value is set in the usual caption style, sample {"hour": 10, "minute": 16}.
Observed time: {"hour": 12, "minute": 2}
